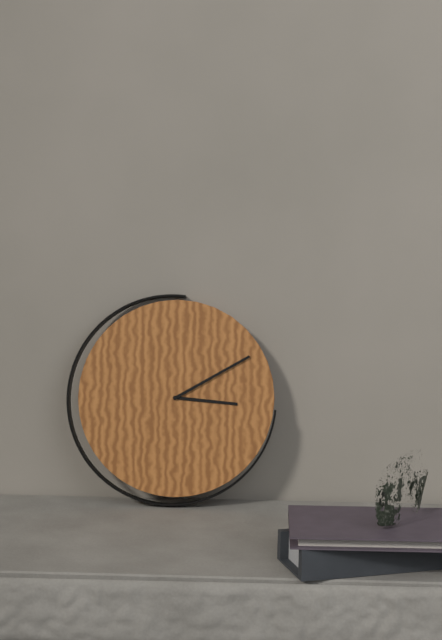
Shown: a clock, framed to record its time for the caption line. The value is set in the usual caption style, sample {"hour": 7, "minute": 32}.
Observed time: {"hour": 3, "minute": 10}
